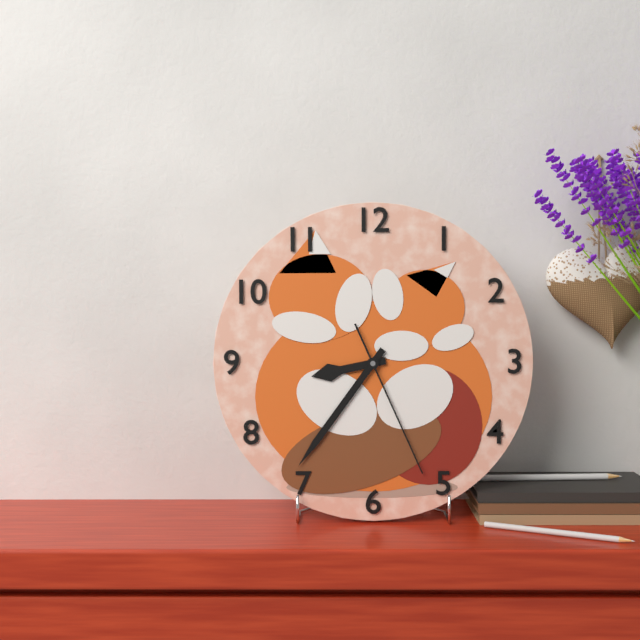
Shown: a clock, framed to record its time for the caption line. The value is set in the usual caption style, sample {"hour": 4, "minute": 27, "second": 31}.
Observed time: {"hour": 8, "minute": 36, "second": 26}
